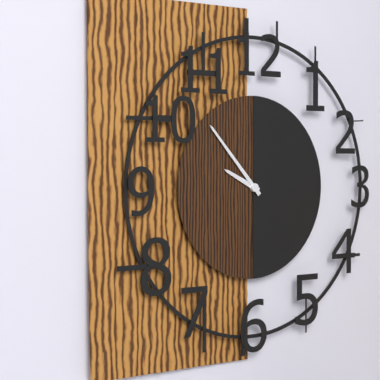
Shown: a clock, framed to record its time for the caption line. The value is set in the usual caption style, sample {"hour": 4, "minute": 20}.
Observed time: {"hour": 9, "minute": 53}
